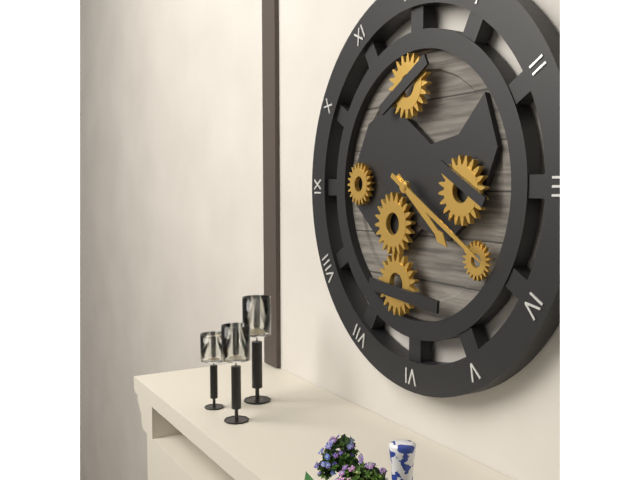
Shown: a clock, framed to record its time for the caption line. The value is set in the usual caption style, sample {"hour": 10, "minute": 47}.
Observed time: {"hour": 4, "minute": 20}
